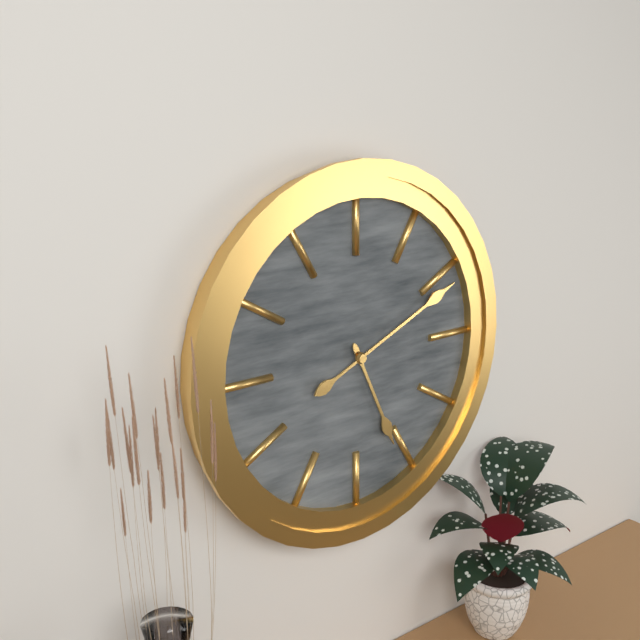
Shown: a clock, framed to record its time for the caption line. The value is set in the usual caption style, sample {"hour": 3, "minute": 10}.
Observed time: {"hour": 5, "minute": 11}
